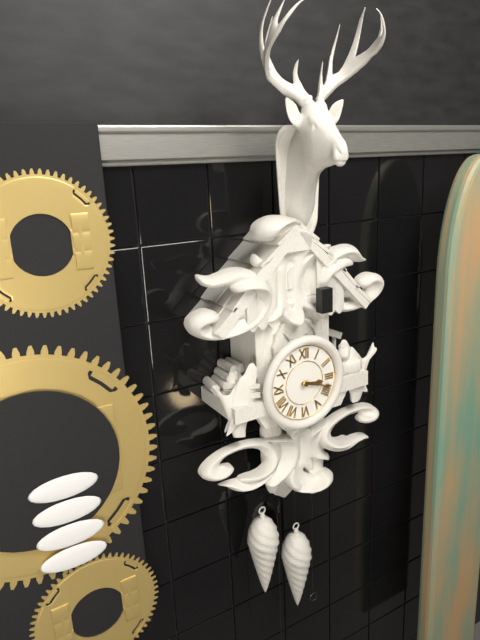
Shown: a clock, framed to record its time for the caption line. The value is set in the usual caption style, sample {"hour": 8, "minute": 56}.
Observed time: {"hour": 3, "minute": 18}
